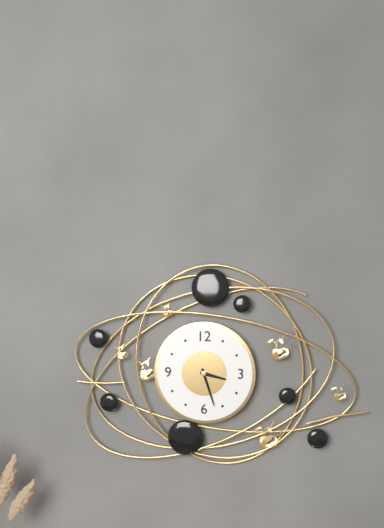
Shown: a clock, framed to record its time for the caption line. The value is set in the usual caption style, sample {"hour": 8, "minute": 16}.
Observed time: {"hour": 3, "minute": 27}
